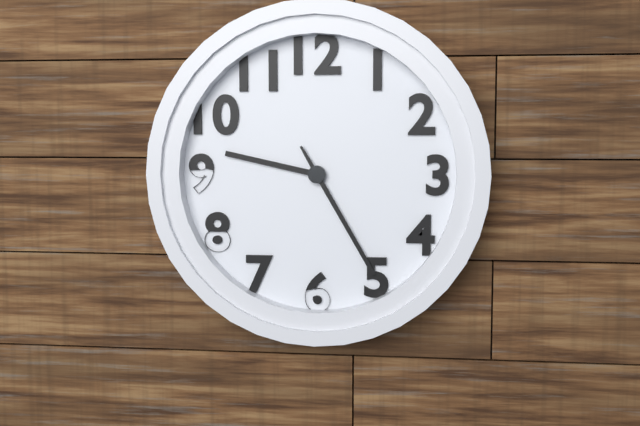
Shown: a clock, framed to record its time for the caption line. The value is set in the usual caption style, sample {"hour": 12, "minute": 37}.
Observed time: {"hour": 9, "minute": 25}
